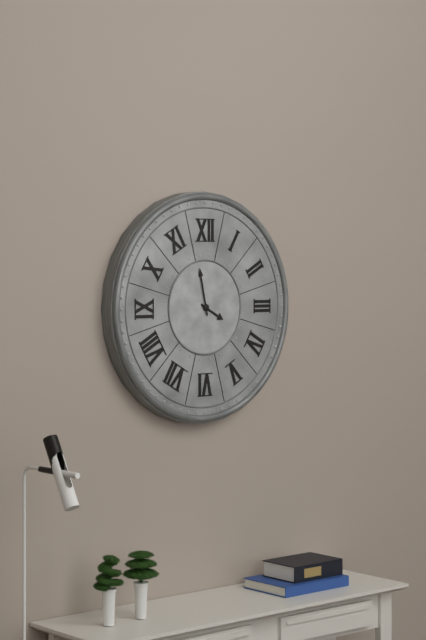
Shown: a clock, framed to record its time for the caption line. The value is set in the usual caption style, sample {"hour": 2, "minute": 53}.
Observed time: {"hour": 3, "minute": 58}
